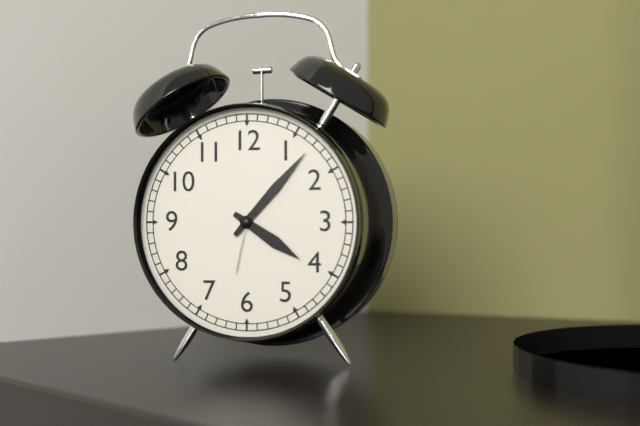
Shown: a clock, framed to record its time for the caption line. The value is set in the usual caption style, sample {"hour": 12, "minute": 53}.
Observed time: {"hour": 4, "minute": 7}
